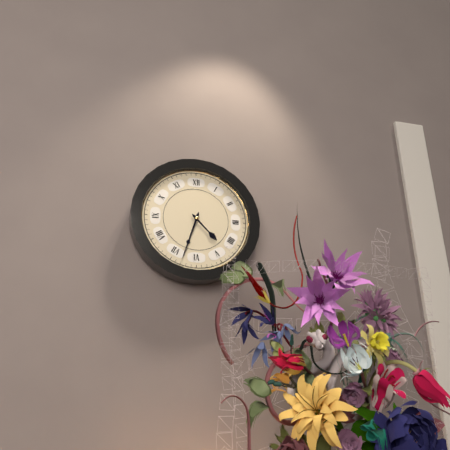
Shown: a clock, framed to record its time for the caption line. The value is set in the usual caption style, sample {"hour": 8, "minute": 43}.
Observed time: {"hour": 4, "minute": 33}
